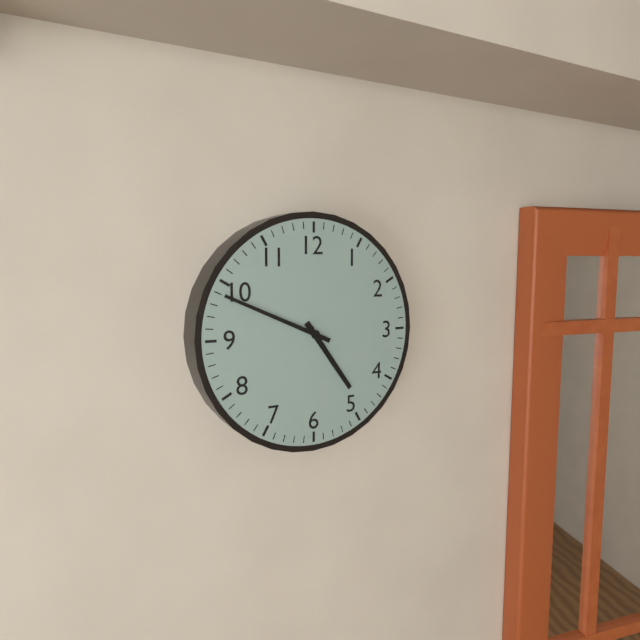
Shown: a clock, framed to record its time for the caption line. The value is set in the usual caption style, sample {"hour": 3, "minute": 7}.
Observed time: {"hour": 4, "minute": 49}
